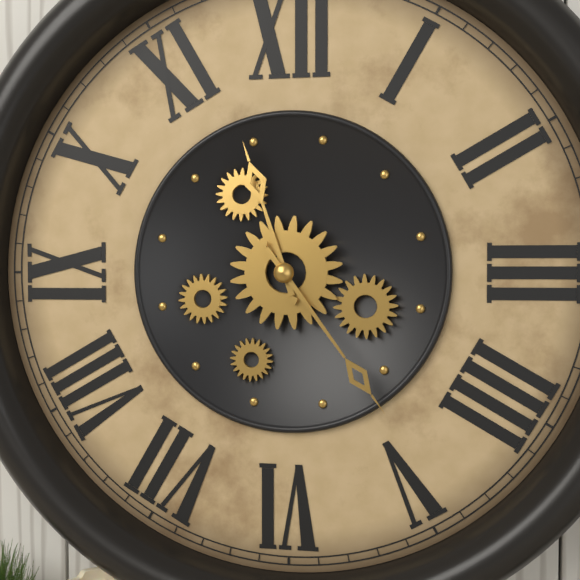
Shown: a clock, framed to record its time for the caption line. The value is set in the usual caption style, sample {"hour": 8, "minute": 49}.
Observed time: {"hour": 11, "minute": 24}
